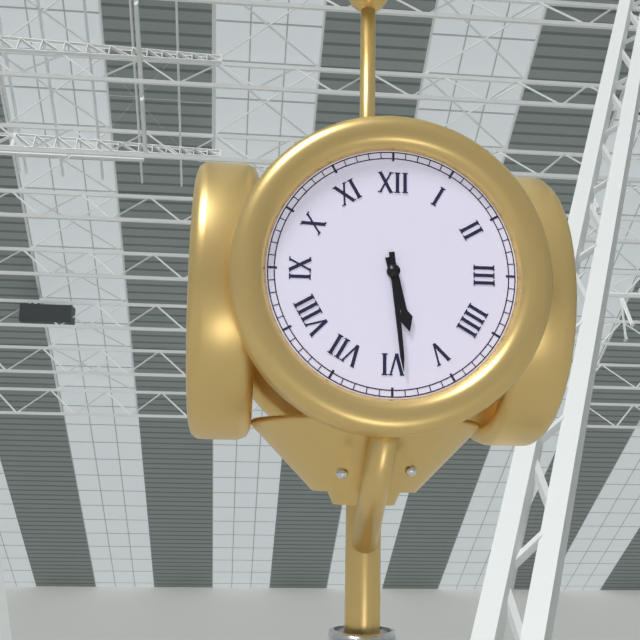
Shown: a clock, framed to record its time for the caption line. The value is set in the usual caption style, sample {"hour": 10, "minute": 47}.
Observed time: {"hour": 5, "minute": 29}
